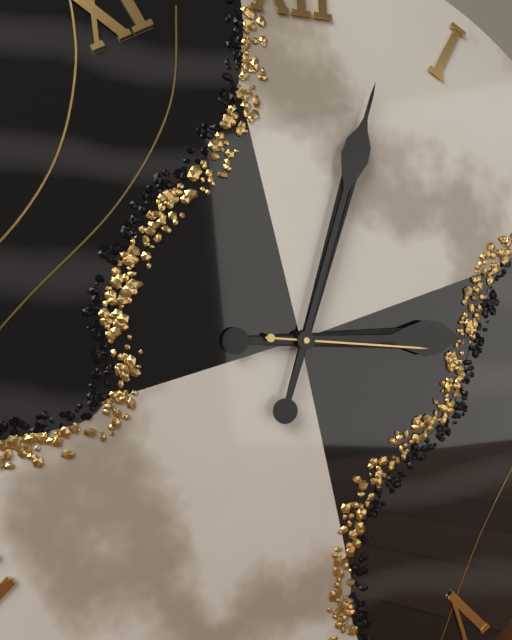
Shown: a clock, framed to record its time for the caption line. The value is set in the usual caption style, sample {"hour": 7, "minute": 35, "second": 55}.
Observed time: {"hour": 3, "minute": 3, "second": 16}
